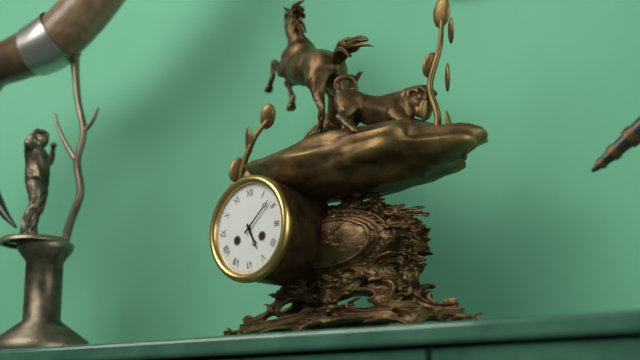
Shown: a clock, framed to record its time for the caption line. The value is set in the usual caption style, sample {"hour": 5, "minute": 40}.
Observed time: {"hour": 5, "minute": 8}
